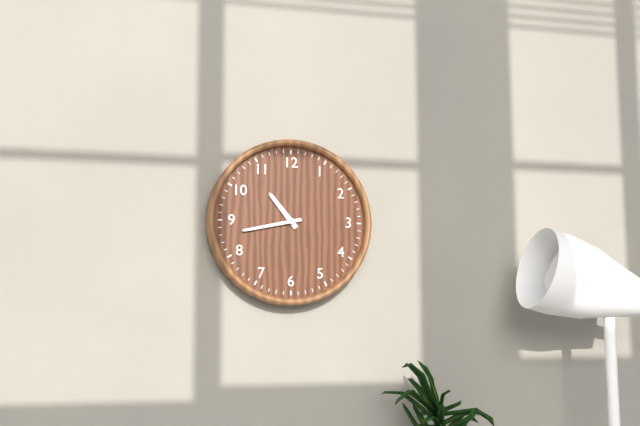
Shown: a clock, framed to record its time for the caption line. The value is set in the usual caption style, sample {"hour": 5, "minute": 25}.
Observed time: {"hour": 10, "minute": 43}
